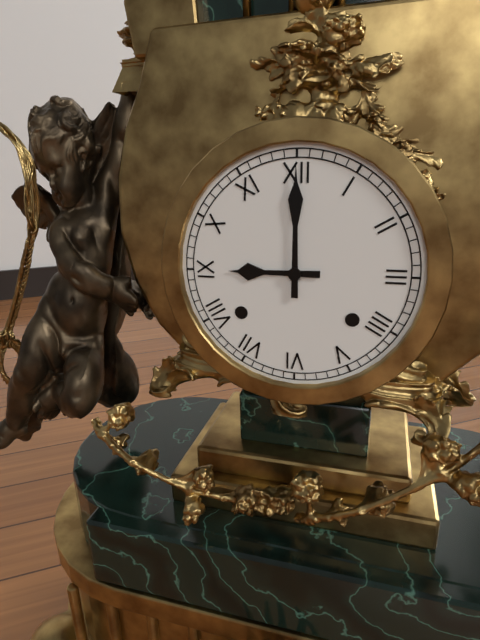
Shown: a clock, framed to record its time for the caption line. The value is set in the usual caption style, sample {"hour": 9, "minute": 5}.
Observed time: {"hour": 9, "minute": 0}
